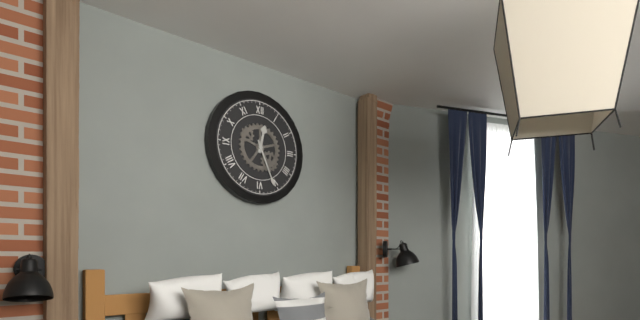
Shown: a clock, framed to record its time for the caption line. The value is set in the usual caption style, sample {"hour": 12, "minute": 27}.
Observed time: {"hour": 12, "minute": 26}
